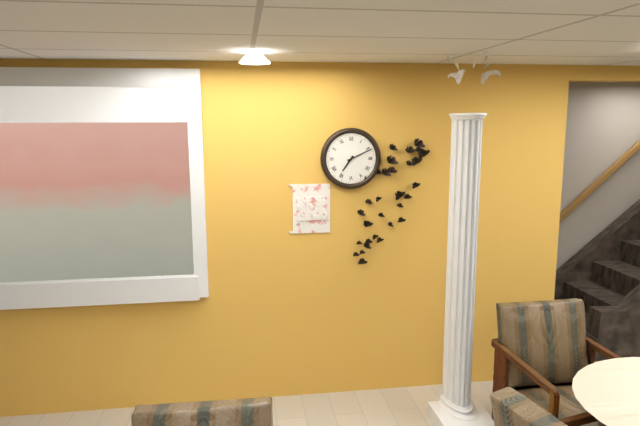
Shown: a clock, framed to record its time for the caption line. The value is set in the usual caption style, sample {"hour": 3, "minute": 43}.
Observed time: {"hour": 7, "minute": 11}
